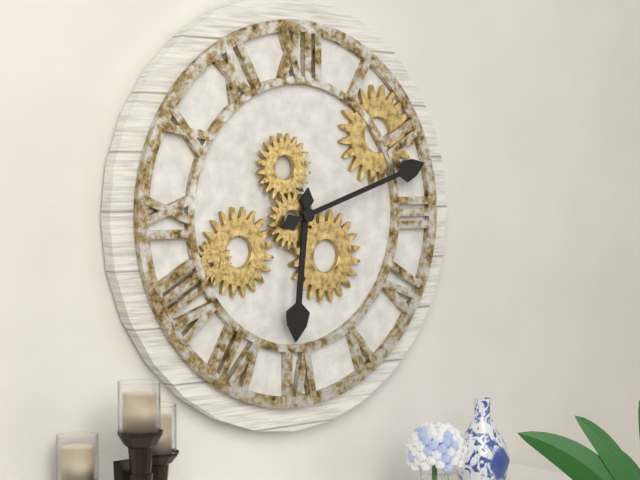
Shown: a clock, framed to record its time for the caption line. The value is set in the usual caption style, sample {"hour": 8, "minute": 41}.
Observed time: {"hour": 6, "minute": 12}
